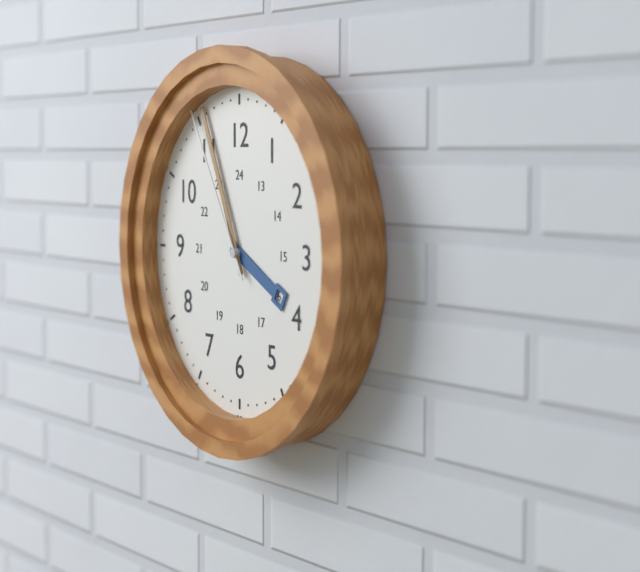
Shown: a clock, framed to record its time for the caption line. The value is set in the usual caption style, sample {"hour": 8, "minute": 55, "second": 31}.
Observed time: {"hour": 3, "minute": 56, "second": 55}
